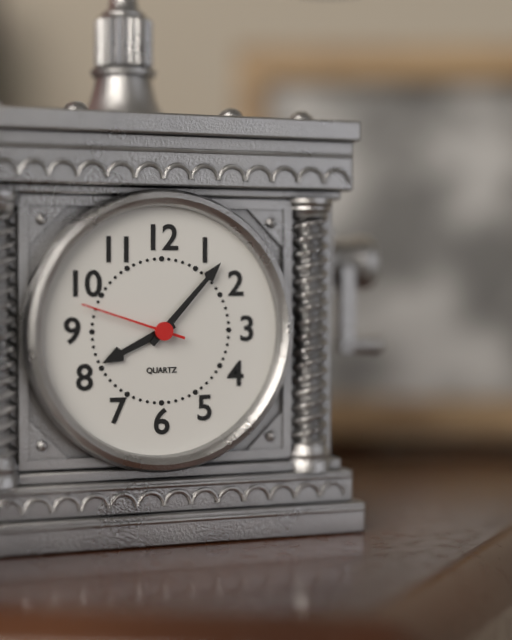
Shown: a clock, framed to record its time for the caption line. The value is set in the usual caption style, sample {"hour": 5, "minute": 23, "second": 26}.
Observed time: {"hour": 8, "minute": 7, "second": 48}
